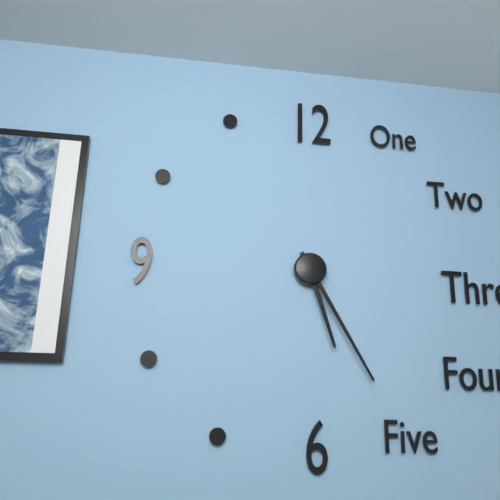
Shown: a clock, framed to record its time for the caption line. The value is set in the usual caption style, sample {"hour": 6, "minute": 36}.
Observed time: {"hour": 5, "minute": 25}
